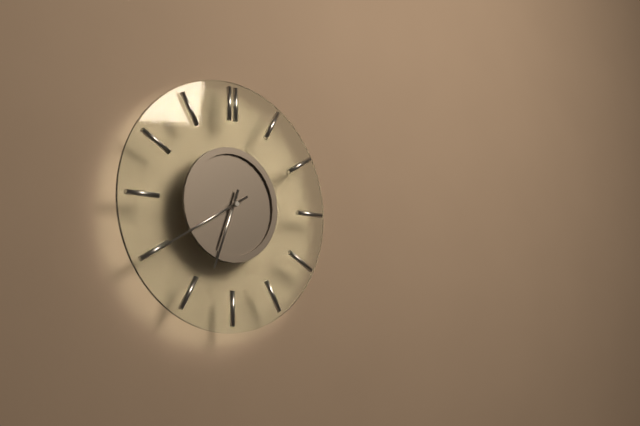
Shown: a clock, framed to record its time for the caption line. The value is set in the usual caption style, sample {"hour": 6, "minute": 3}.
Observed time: {"hour": 6, "minute": 40}
